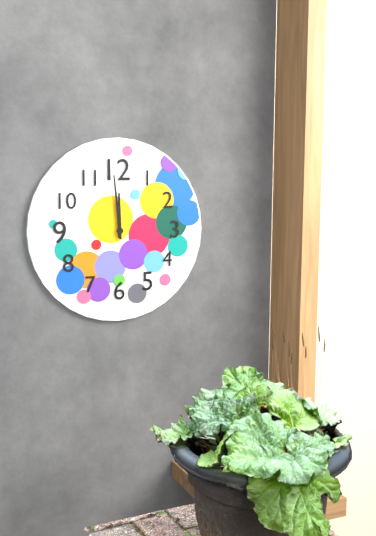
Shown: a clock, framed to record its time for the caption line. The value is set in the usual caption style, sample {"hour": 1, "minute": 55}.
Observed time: {"hour": 11, "minute": 59}
